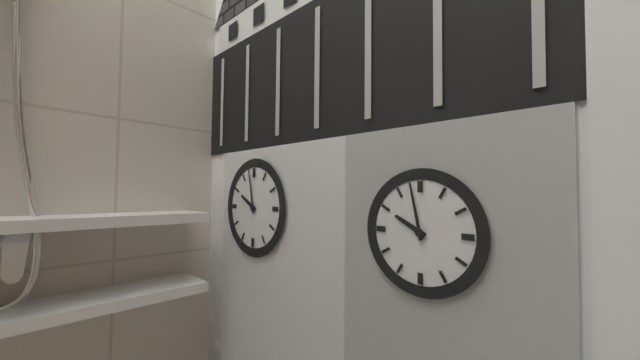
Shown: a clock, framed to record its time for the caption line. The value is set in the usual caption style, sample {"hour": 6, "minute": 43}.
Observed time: {"hour": 9, "minute": 58}
